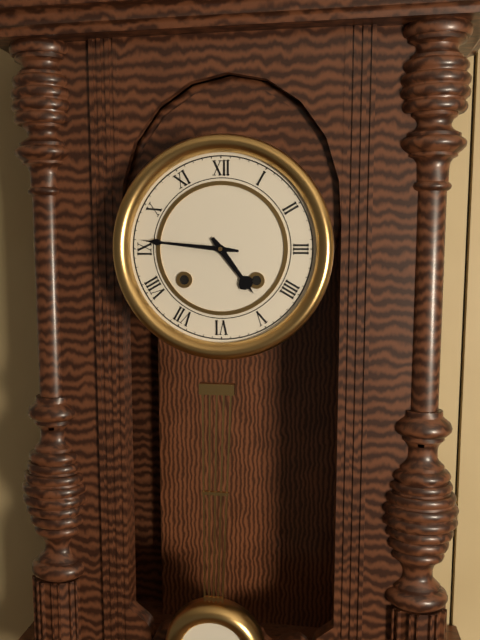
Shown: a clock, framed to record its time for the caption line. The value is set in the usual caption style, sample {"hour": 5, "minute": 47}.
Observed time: {"hour": 4, "minute": 46}
